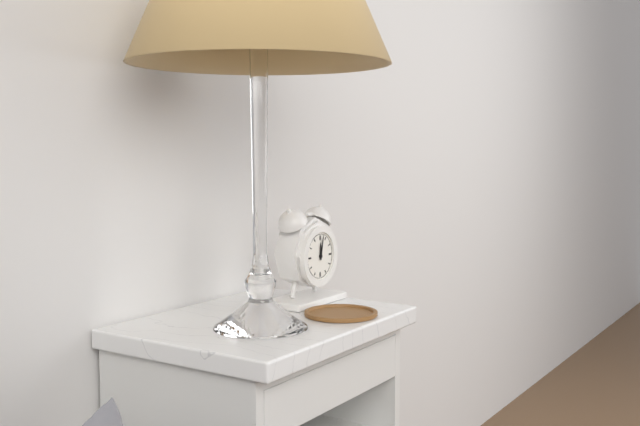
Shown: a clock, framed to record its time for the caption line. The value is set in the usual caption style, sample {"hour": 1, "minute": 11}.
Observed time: {"hour": 12, "minute": 2}
